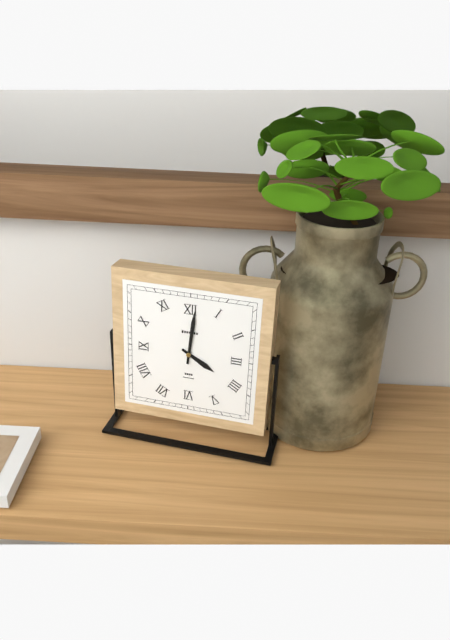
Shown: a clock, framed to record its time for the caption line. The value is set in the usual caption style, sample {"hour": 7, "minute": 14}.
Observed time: {"hour": 4, "minute": 1}
